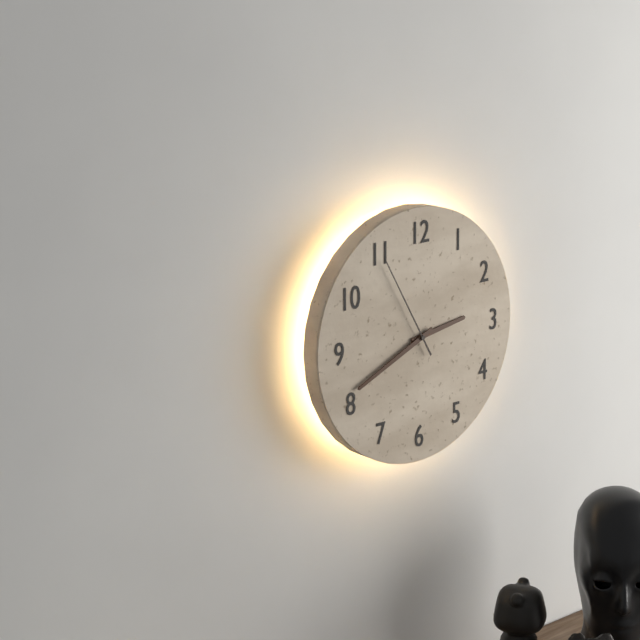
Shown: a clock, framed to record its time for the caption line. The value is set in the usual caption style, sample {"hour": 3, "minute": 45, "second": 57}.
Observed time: {"hour": 2, "minute": 41, "second": 55}
